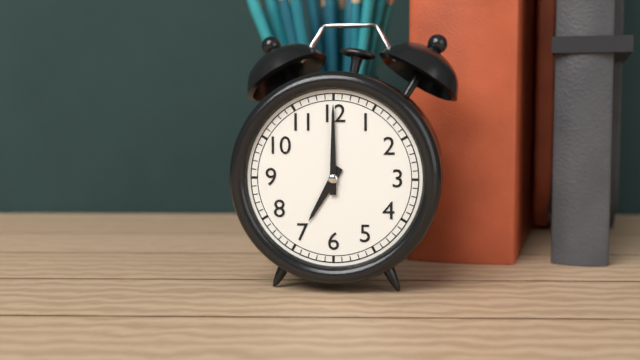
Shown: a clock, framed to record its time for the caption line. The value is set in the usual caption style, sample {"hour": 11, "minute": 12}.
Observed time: {"hour": 7, "minute": 0}
